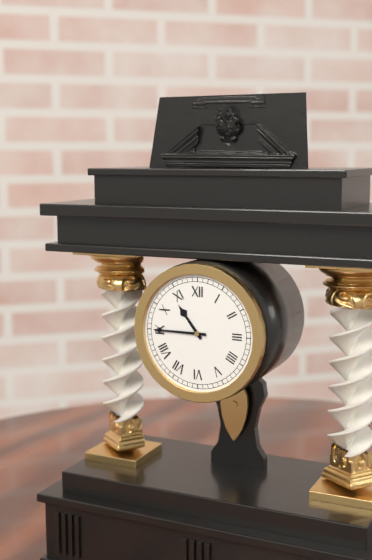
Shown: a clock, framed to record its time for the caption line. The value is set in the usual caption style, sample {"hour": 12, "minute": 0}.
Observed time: {"hour": 10, "minute": 45}
